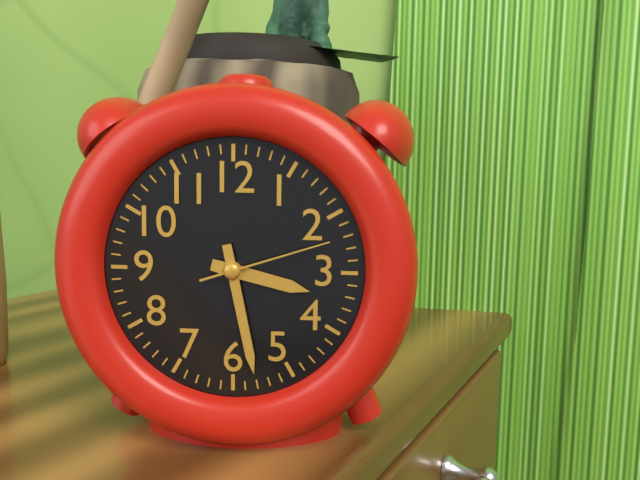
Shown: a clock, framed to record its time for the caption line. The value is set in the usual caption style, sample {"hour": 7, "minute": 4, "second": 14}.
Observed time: {"hour": 3, "minute": 28, "second": 12}
